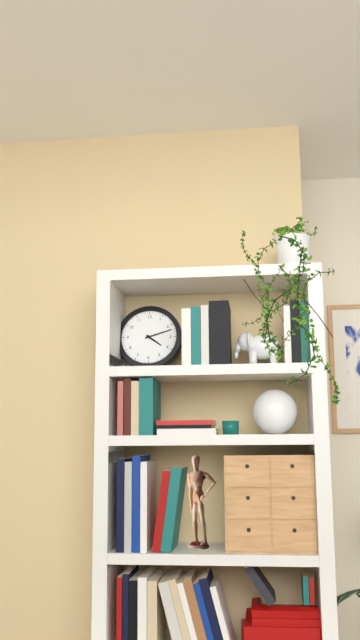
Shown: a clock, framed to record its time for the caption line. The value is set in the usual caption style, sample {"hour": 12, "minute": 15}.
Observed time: {"hour": 4, "minute": 12}
